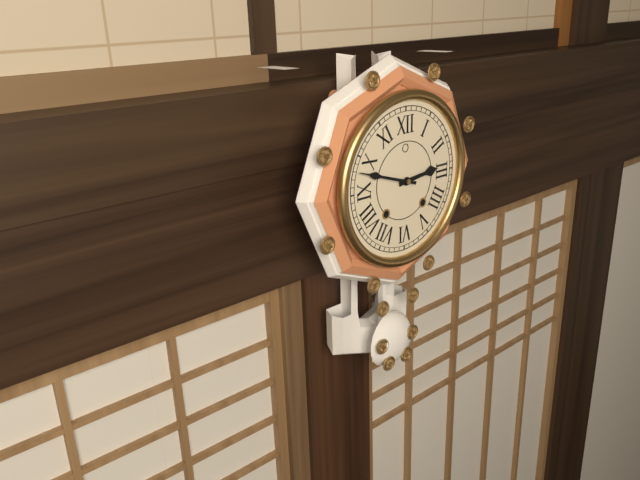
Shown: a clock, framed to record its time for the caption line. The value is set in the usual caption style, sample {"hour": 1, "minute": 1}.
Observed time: {"hour": 2, "minute": 48}
